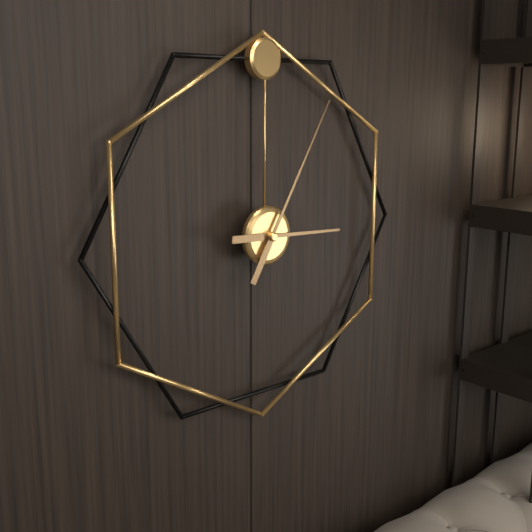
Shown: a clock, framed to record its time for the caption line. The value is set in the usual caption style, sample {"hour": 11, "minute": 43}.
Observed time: {"hour": 3, "minute": 5}
